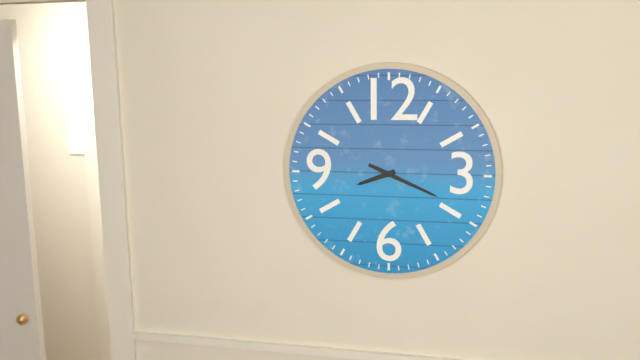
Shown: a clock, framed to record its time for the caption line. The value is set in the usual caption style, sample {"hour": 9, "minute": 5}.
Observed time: {"hour": 8, "minute": 19}
